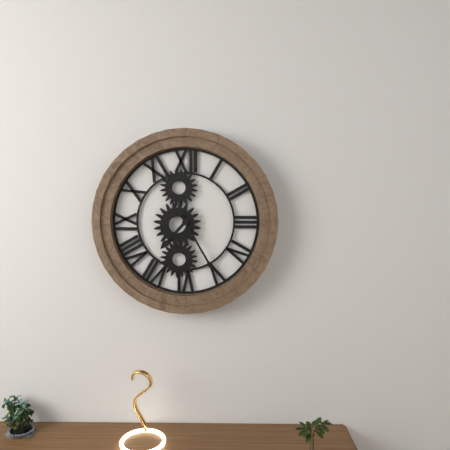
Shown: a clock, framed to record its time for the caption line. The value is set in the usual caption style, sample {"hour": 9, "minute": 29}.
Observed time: {"hour": 7, "minute": 25}
